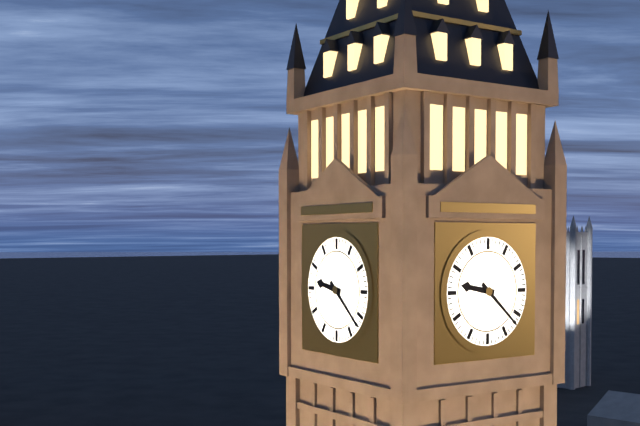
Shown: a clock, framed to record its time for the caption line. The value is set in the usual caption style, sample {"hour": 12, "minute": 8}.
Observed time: {"hour": 9, "minute": 22}
